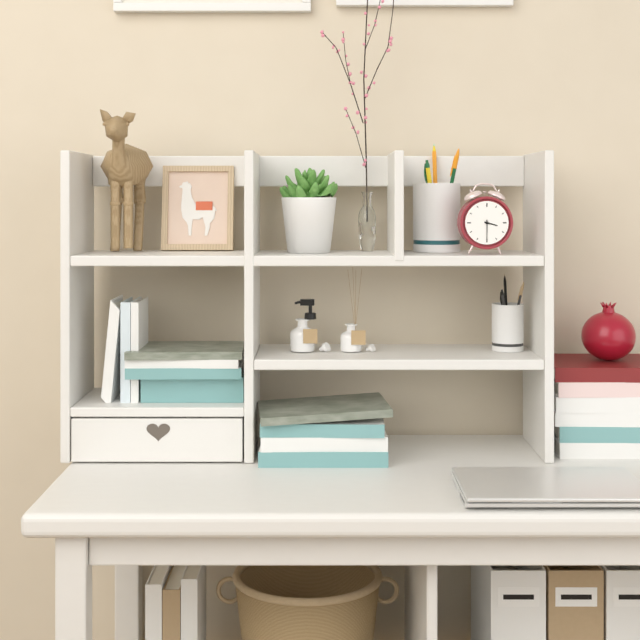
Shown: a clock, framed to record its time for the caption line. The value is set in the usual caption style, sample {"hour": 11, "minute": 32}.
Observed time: {"hour": 3, "minute": 30}
